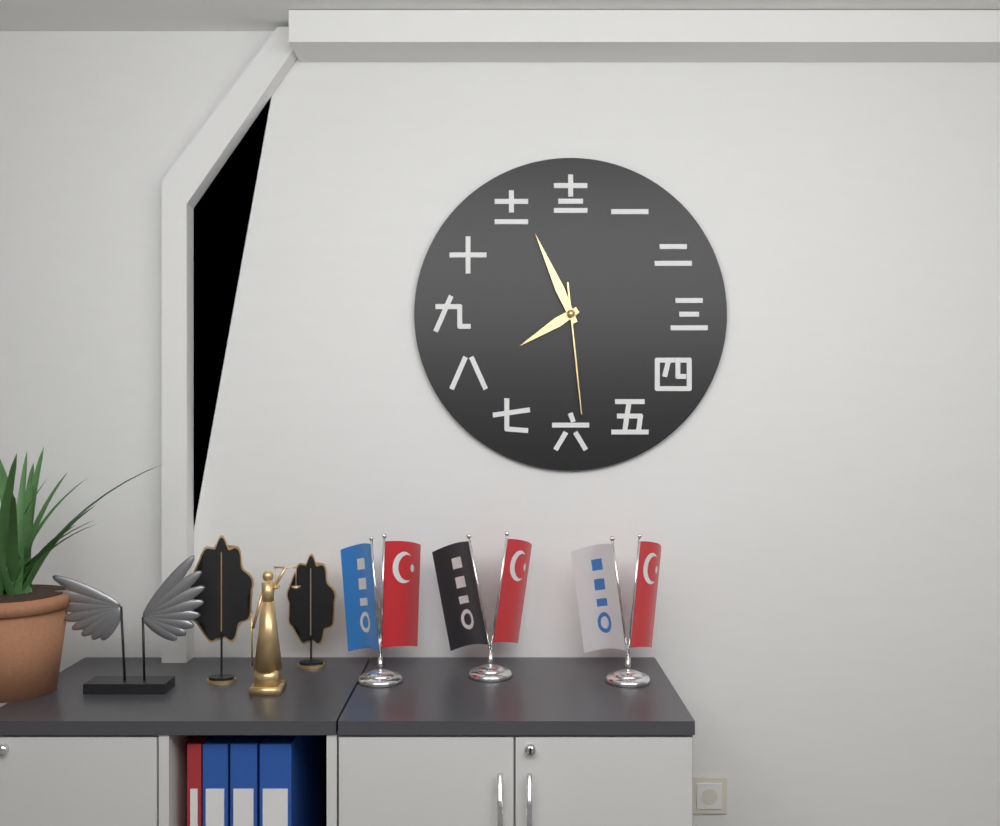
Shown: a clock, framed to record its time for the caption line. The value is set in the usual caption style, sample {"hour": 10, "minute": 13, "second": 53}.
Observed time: {"hour": 7, "minute": 56, "second": 29}
